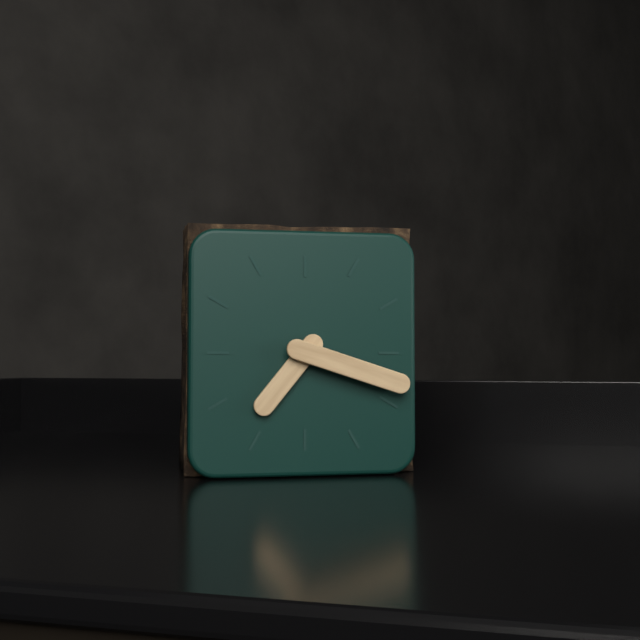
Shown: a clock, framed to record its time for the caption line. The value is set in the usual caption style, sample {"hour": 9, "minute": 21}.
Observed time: {"hour": 7, "minute": 18}
